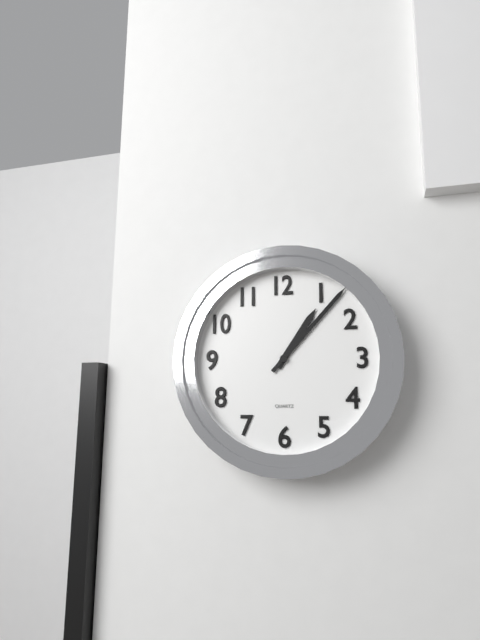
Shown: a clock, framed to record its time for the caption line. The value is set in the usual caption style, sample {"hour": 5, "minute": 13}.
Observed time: {"hour": 1, "minute": 7}
